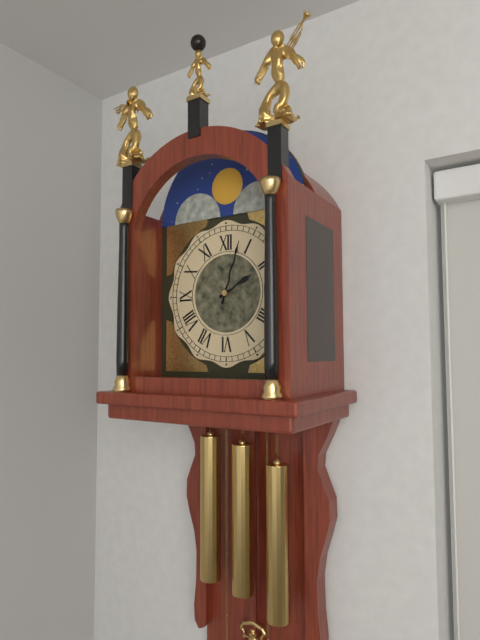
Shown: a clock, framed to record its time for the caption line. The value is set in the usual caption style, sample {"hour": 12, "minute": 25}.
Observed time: {"hour": 2, "minute": 3}
